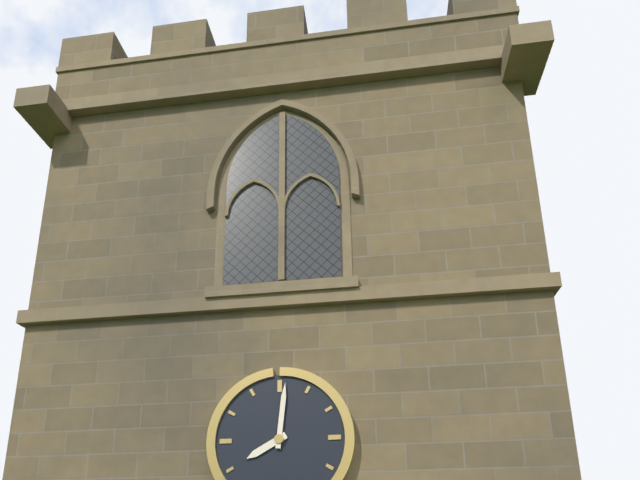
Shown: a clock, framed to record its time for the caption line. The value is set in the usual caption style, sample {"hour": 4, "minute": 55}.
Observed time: {"hour": 8, "minute": 1}
